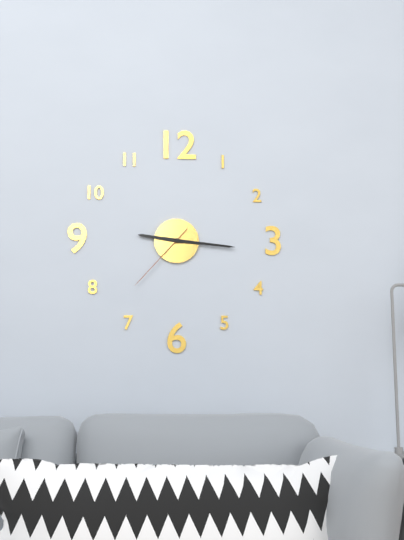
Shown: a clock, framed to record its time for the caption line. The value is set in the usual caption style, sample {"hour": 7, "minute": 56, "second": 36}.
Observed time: {"hour": 9, "minute": 16, "second": 37}
